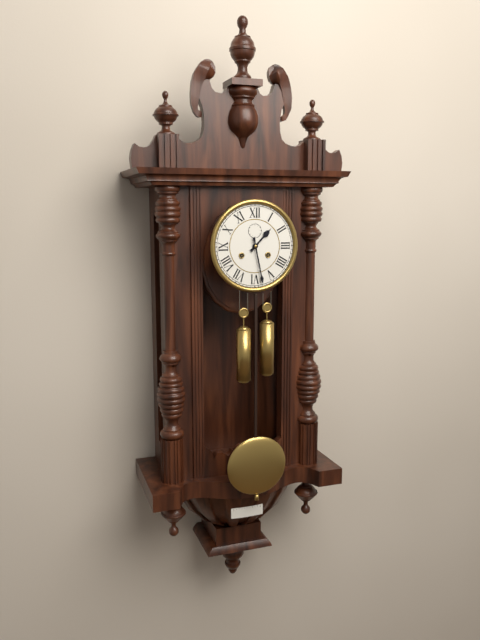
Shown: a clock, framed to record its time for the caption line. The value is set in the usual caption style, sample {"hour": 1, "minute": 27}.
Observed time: {"hour": 1, "minute": 28}
